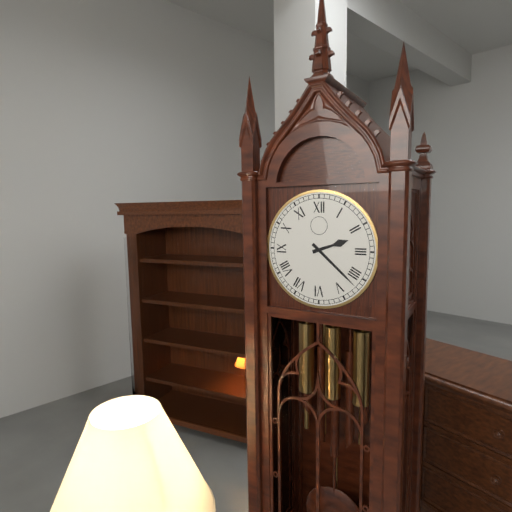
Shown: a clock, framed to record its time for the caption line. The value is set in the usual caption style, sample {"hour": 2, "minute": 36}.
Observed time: {"hour": 2, "minute": 22}
